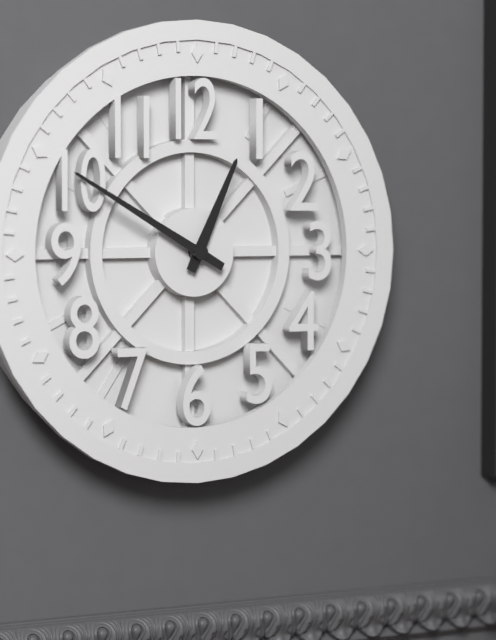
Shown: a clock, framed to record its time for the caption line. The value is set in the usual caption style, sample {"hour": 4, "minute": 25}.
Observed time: {"hour": 12, "minute": 50}
